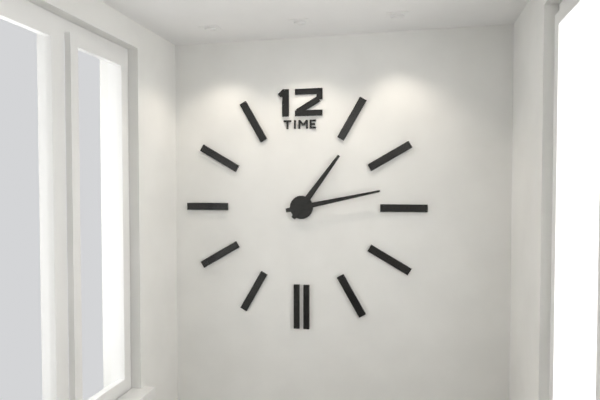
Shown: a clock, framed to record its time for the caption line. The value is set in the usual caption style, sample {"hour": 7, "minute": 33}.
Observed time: {"hour": 1, "minute": 13}
